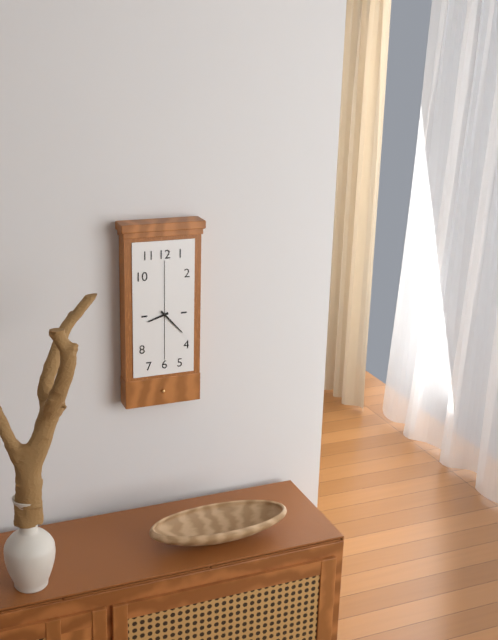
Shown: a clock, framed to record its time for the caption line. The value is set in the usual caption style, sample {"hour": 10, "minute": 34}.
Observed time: {"hour": 8, "minute": 23}
